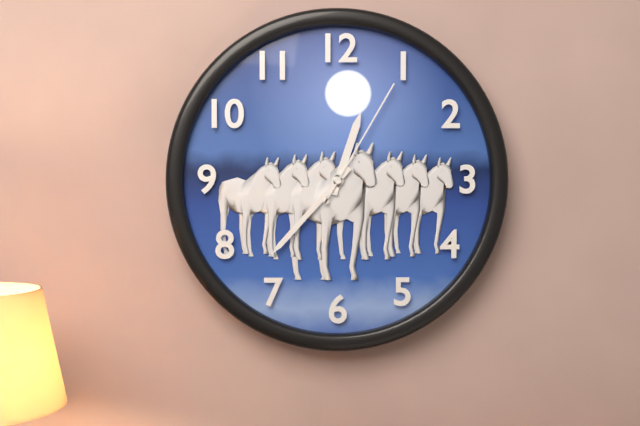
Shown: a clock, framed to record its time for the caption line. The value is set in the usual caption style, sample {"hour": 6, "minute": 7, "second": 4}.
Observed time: {"hour": 12, "minute": 37, "second": 5}
